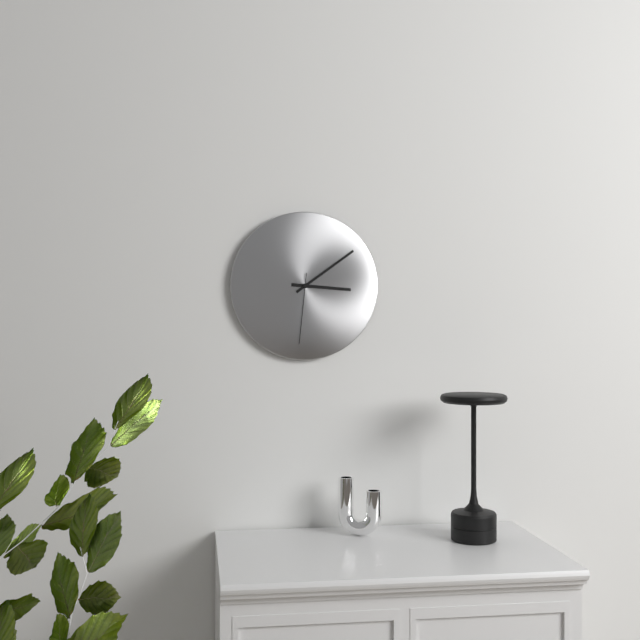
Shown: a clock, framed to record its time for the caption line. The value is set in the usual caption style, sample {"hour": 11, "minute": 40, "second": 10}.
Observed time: {"hour": 3, "minute": 9, "second": 31}
